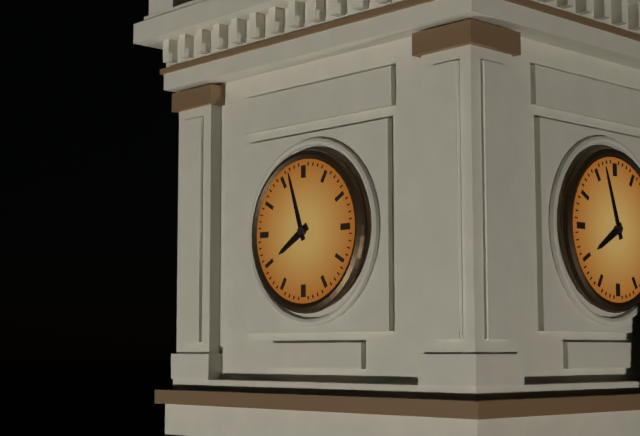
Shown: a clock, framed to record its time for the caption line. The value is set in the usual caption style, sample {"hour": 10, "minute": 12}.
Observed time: {"hour": 7, "minute": 57}
